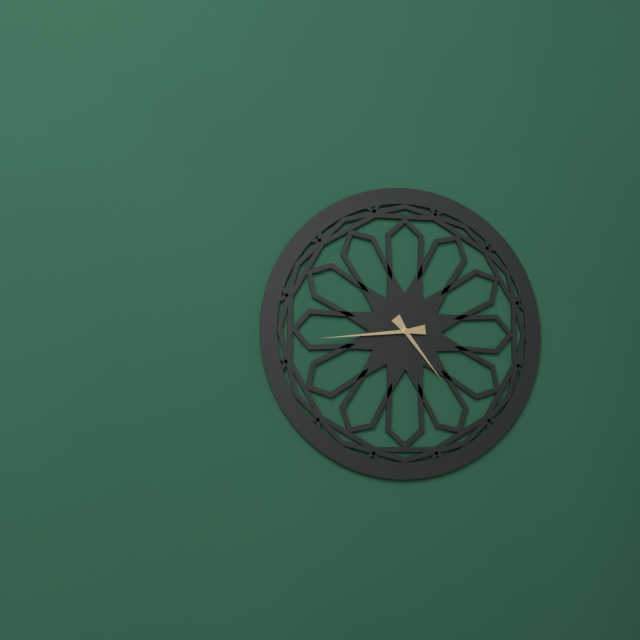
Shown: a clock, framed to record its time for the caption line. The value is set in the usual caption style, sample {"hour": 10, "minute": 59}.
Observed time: {"hour": 4, "minute": 44}
